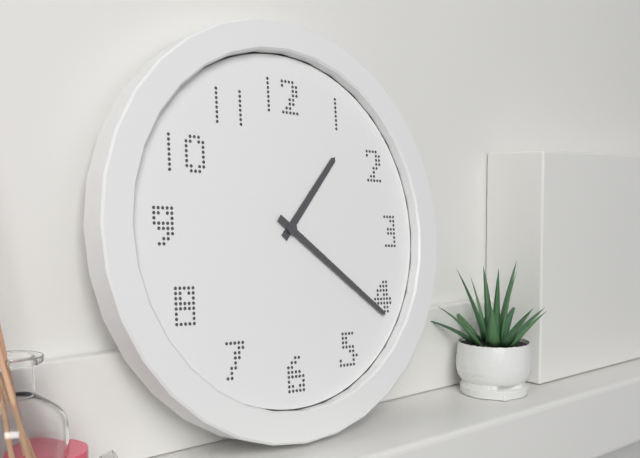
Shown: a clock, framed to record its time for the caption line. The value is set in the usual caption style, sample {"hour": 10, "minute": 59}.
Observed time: {"hour": 1, "minute": 21}
